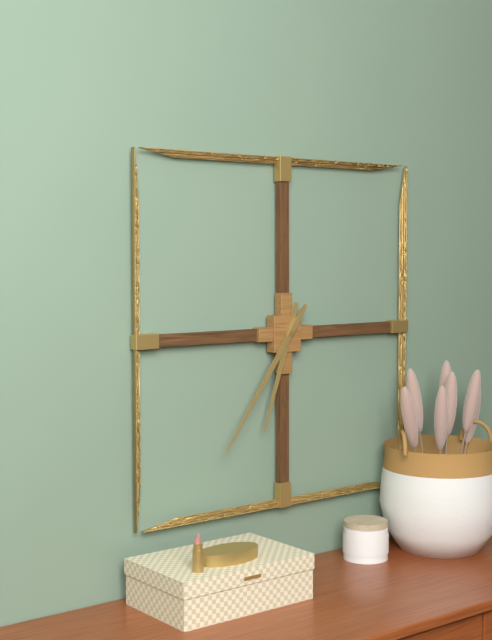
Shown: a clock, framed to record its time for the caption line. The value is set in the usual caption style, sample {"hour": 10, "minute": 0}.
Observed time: {"hour": 6, "minute": 36}
